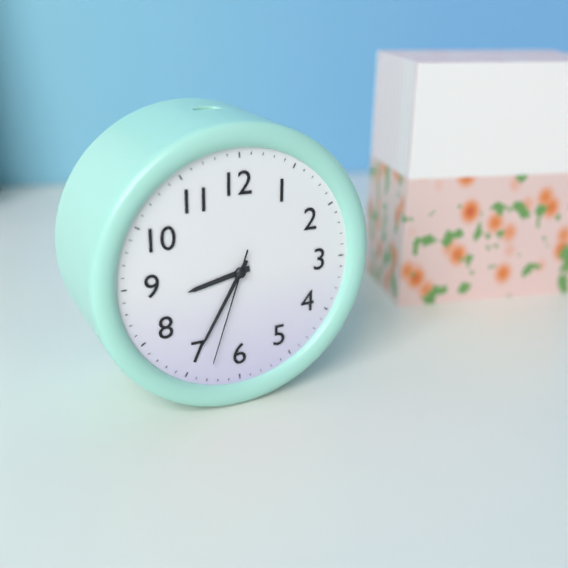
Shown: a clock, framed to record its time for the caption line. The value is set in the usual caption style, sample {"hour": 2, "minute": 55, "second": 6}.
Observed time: {"hour": 8, "minute": 35, "second": 33}
